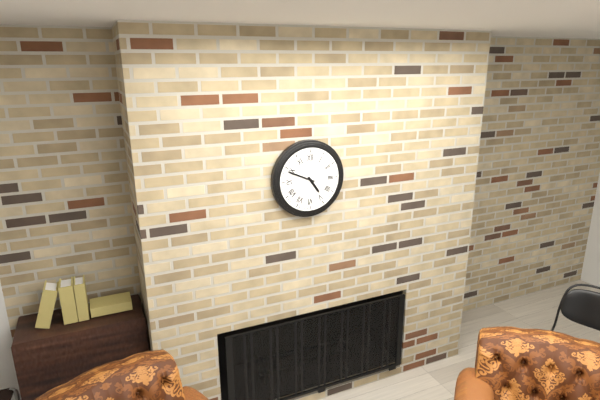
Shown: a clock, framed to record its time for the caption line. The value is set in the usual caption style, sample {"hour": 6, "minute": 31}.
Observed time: {"hour": 4, "minute": 49}
